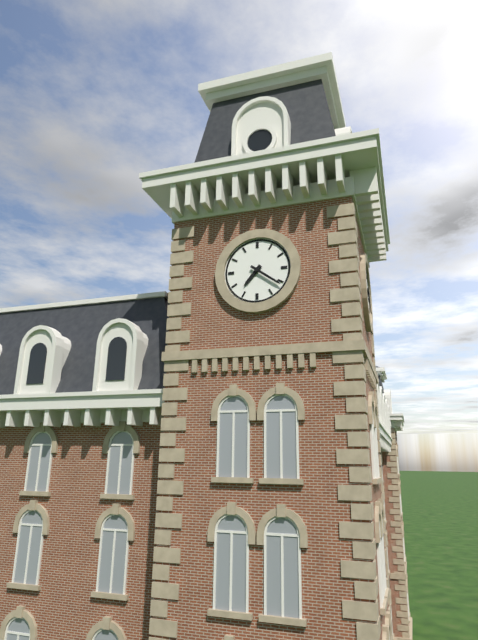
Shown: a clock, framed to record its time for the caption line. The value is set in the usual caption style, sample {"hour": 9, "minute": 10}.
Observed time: {"hour": 7, "minute": 21}
